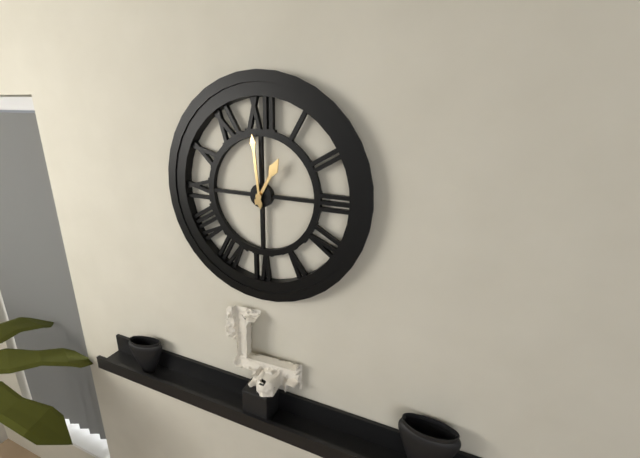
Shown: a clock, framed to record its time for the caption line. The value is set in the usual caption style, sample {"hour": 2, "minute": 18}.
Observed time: {"hour": 12, "minute": 59}
